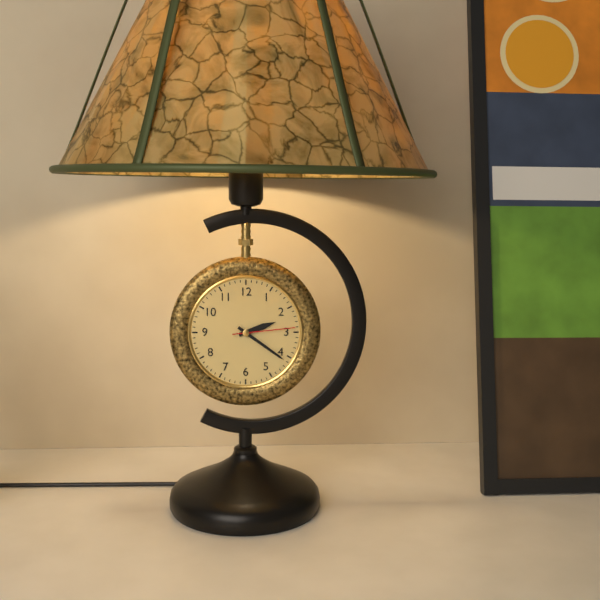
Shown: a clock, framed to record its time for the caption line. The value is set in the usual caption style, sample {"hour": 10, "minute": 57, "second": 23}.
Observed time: {"hour": 2, "minute": 21, "second": 14}
